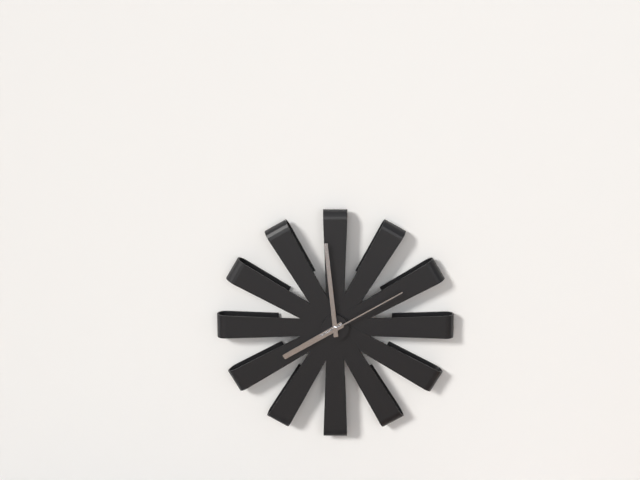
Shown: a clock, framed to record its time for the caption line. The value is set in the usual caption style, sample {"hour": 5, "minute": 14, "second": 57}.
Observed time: {"hour": 7, "minute": 59, "second": 10}
